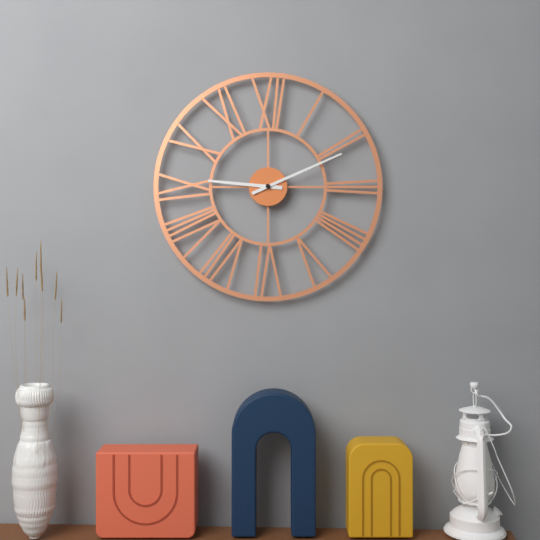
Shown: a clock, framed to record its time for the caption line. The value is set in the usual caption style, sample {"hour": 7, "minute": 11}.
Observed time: {"hour": 9, "minute": 11}
